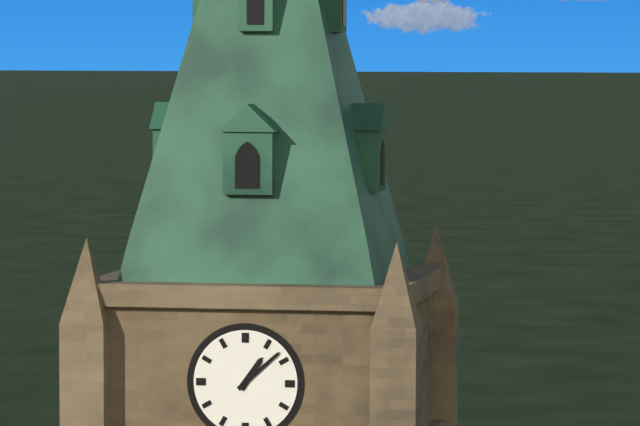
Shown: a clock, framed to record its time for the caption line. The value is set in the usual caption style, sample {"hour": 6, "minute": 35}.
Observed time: {"hour": 1, "minute": 8}
